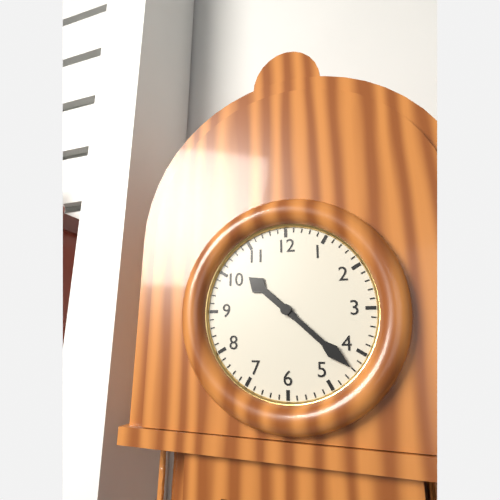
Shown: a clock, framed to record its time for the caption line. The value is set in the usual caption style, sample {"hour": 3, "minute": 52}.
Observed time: {"hour": 10, "minute": 22}
